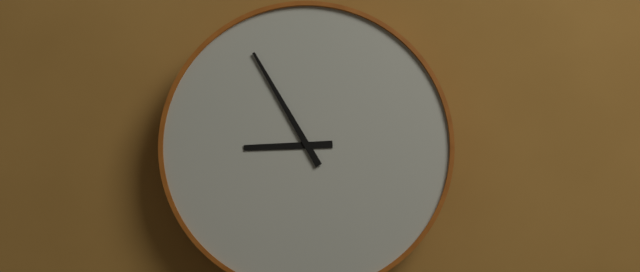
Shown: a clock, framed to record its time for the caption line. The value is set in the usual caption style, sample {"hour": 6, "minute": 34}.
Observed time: {"hour": 8, "minute": 55}
